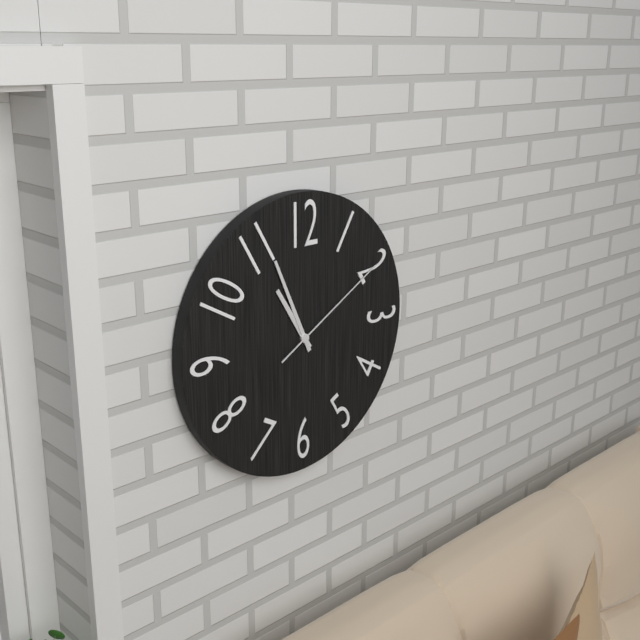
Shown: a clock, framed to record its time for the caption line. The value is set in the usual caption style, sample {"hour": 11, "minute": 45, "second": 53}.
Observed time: {"hour": 10, "minute": 56, "second": 10}
